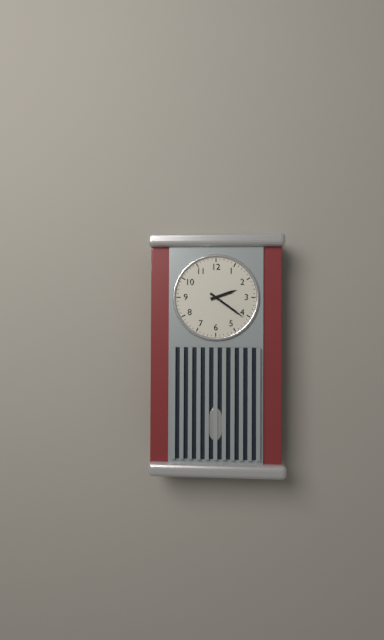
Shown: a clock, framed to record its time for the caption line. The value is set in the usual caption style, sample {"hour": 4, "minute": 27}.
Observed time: {"hour": 2, "minute": 21}
